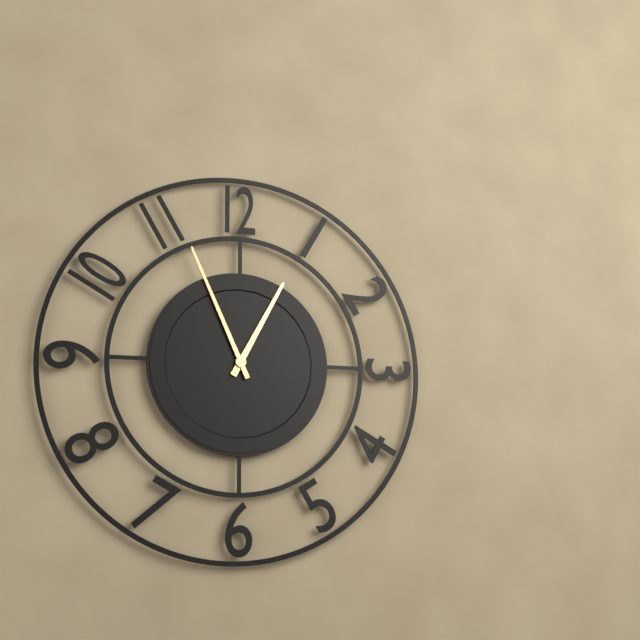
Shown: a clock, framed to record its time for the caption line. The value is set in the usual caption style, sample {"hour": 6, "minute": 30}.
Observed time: {"hour": 12, "minute": 56}
